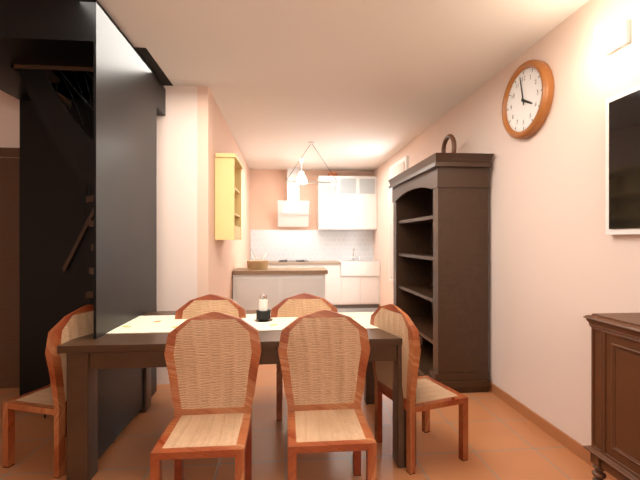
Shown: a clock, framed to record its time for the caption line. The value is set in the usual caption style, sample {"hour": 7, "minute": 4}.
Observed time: {"hour": 3, "minute": 58}
